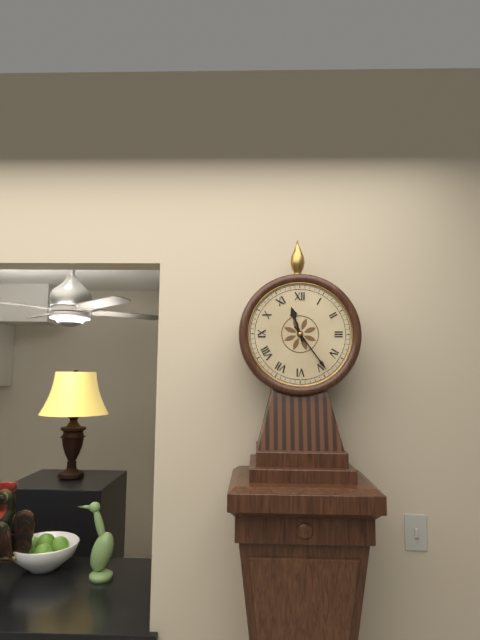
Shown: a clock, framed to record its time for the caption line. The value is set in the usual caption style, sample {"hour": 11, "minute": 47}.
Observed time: {"hour": 11, "minute": 24}
